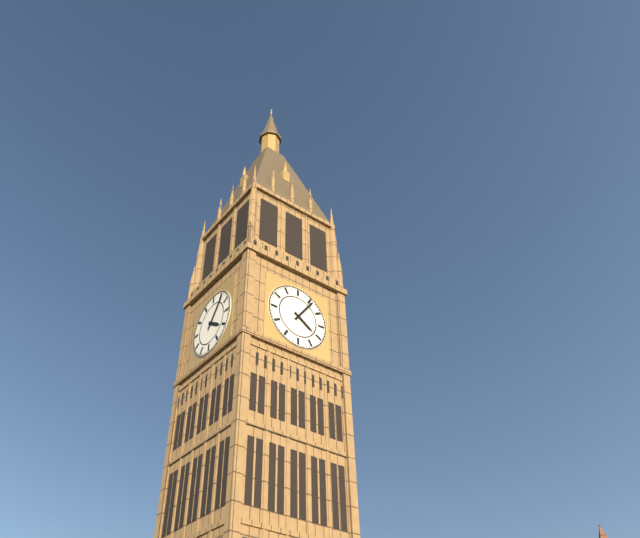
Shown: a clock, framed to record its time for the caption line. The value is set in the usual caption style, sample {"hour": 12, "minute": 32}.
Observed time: {"hour": 4, "minute": 6}
